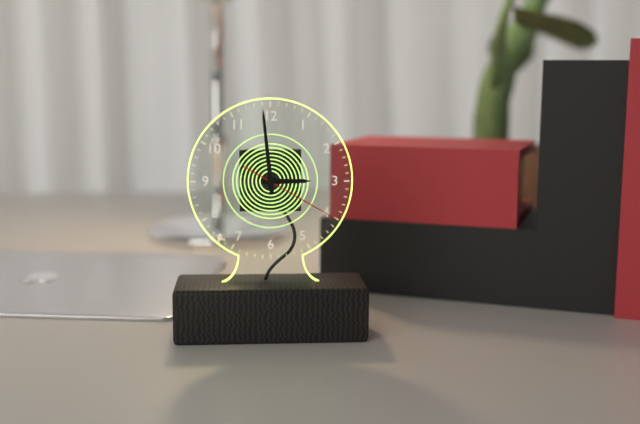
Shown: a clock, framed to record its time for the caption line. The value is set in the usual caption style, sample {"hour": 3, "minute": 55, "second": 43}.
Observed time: {"hour": 2, "minute": 59, "second": 20}
